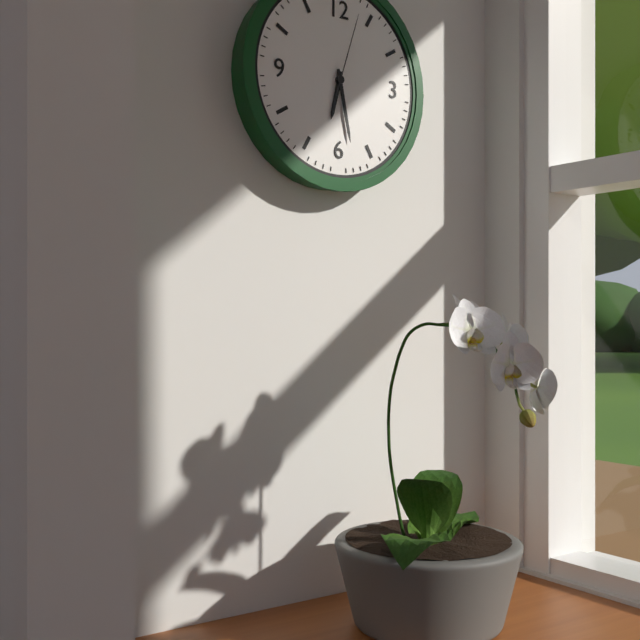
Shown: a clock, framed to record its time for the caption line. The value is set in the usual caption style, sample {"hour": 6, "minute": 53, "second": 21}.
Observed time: {"hour": 6, "minute": 28, "second": 3}
